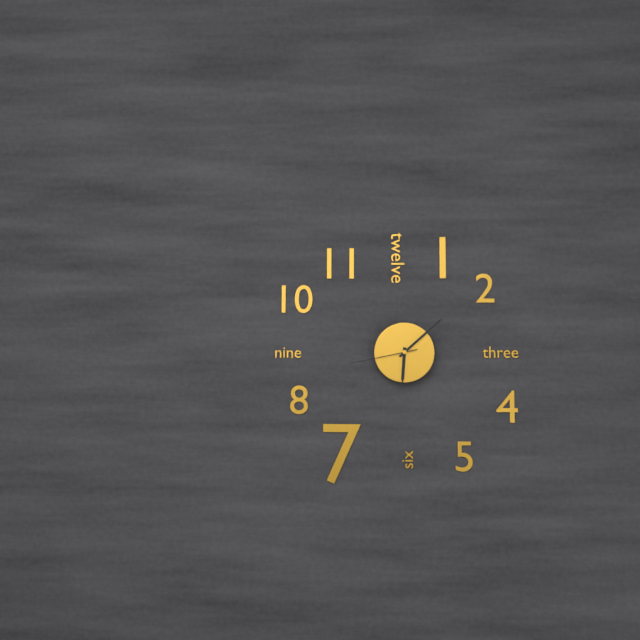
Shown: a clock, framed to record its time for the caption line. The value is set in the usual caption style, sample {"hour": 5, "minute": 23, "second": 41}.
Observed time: {"hour": 6, "minute": 8, "second": 43}
